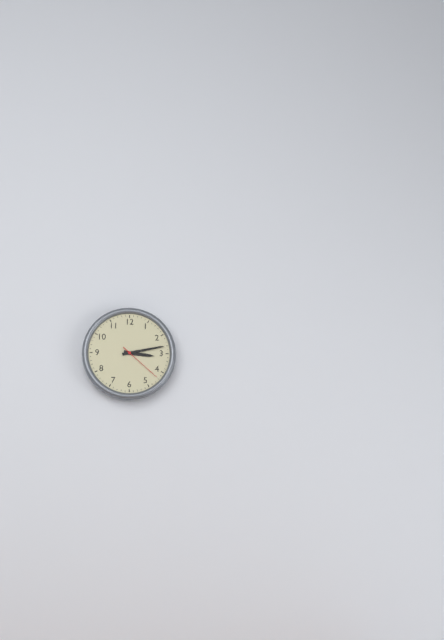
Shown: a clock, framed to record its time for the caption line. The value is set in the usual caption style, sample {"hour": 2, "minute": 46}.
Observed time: {"hour": 3, "minute": 13}
